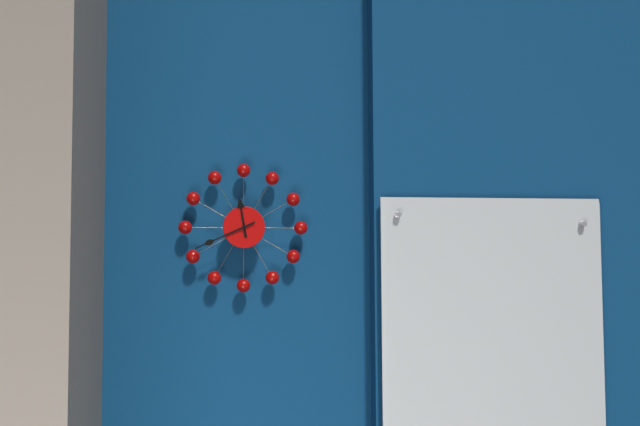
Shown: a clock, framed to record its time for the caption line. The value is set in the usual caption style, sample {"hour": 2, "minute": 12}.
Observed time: {"hour": 11, "minute": 41}
